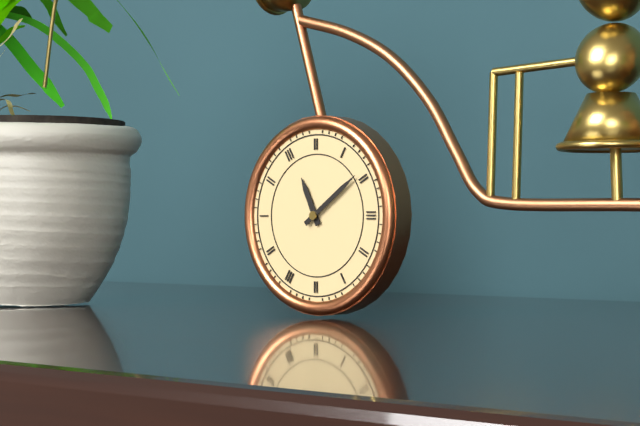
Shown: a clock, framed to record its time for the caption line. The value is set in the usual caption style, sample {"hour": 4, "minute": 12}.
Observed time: {"hour": 11, "minute": 9}
